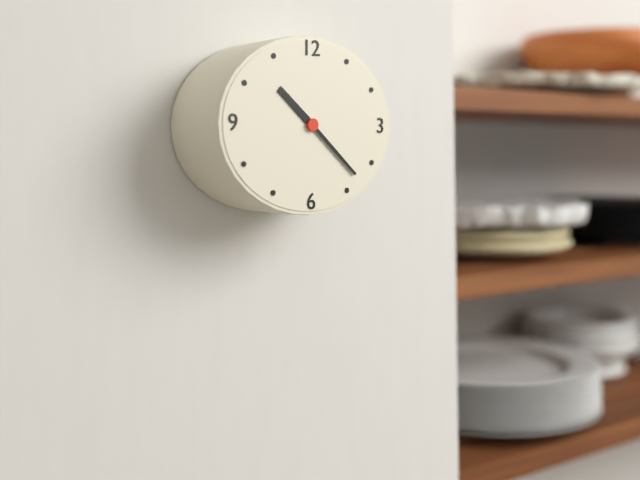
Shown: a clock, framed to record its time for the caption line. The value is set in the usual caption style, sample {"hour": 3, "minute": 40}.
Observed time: {"hour": 10, "minute": 22}
